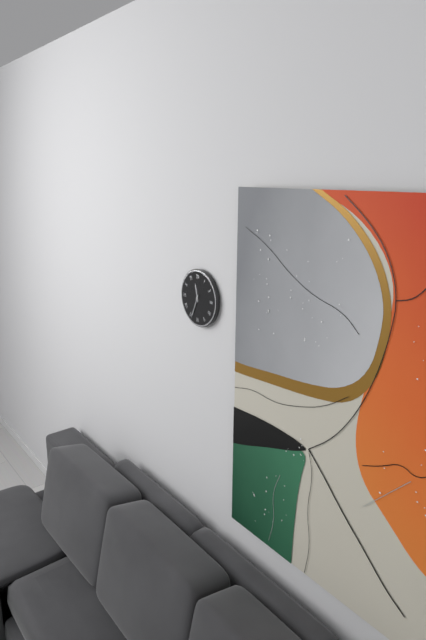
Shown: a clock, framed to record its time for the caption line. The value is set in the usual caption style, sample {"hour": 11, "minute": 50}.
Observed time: {"hour": 11, "minute": 34}
